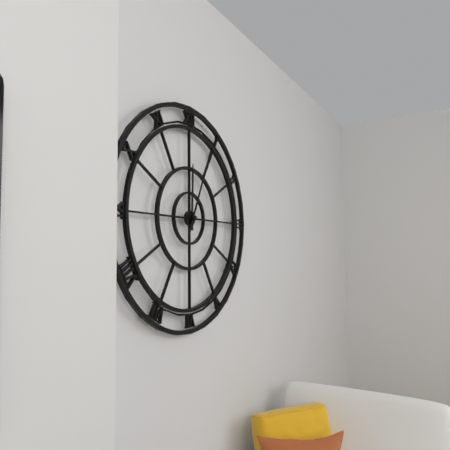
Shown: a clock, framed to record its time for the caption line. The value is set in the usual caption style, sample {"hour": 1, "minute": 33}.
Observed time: {"hour": 12, "minute": 4}
